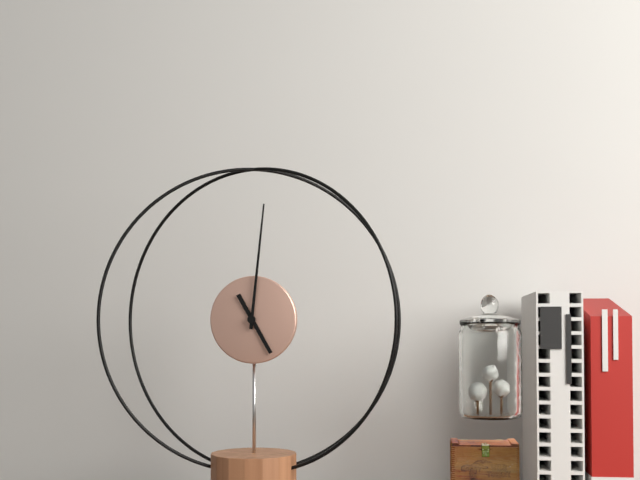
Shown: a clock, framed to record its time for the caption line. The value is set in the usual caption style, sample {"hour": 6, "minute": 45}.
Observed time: {"hour": 5, "minute": 1}
